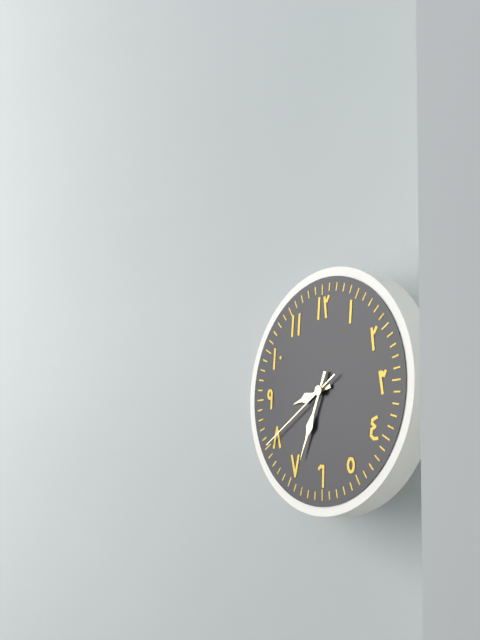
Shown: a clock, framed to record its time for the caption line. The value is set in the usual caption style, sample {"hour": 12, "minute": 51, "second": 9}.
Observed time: {"hour": 8, "minute": 34, "second": 40}
